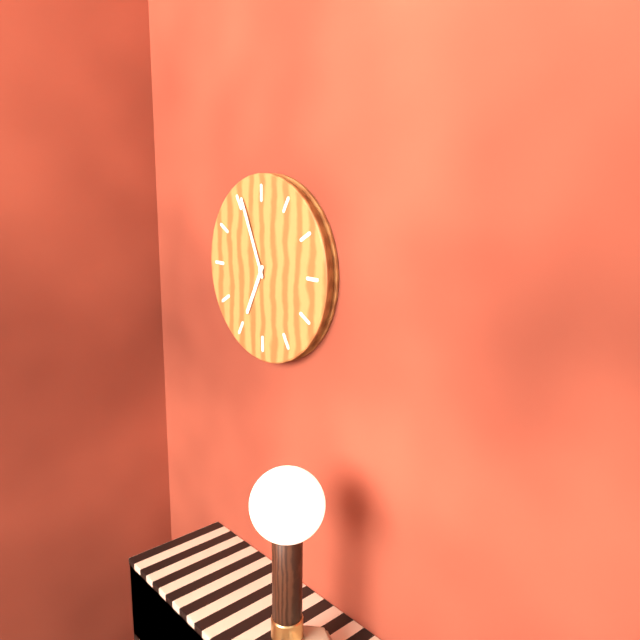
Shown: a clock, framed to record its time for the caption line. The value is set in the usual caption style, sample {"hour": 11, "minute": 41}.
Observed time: {"hour": 6, "minute": 56}
